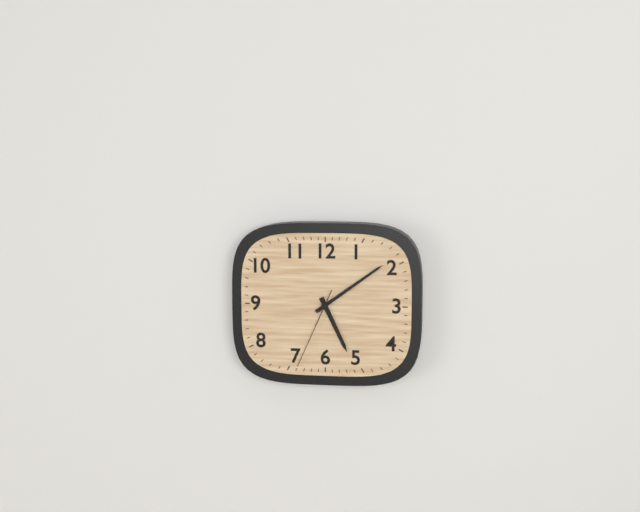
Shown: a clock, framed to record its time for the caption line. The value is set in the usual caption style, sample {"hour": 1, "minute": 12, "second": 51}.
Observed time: {"hour": 5, "minute": 9, "second": 34}
